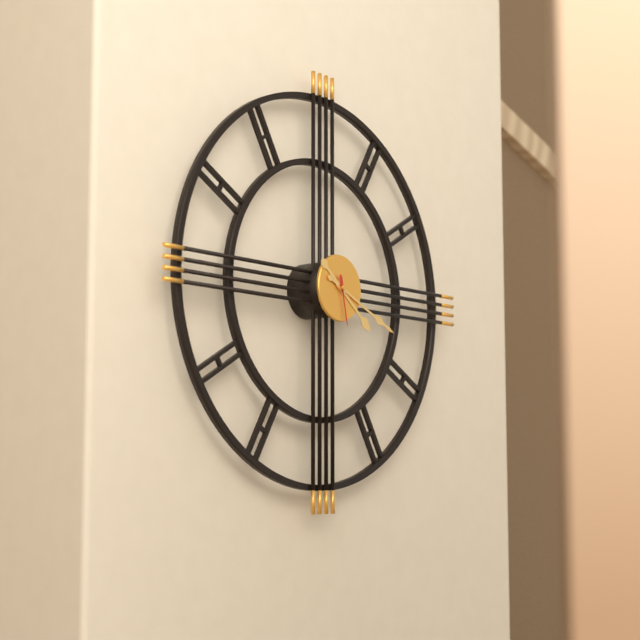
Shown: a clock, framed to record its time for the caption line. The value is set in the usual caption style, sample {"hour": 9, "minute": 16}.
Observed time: {"hour": 4, "minute": 19}
